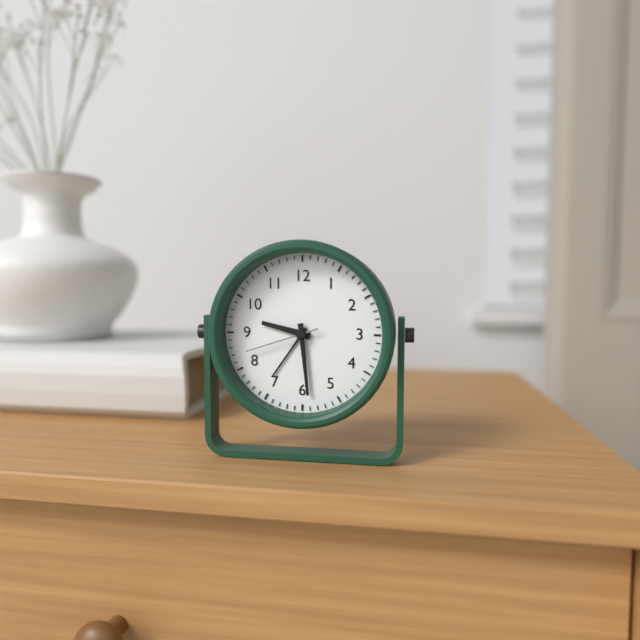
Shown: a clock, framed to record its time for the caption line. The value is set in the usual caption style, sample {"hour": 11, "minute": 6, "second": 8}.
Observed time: {"hour": 9, "minute": 29, "second": 42}
